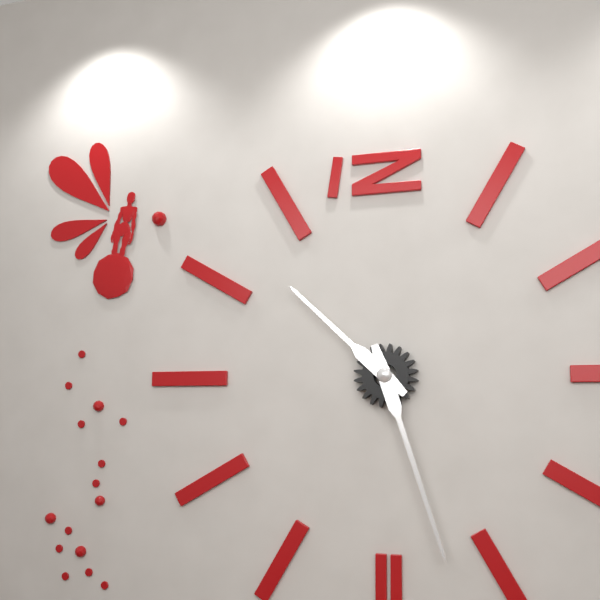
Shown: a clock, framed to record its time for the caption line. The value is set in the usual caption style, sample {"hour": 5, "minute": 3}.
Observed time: {"hour": 10, "minute": 27}
